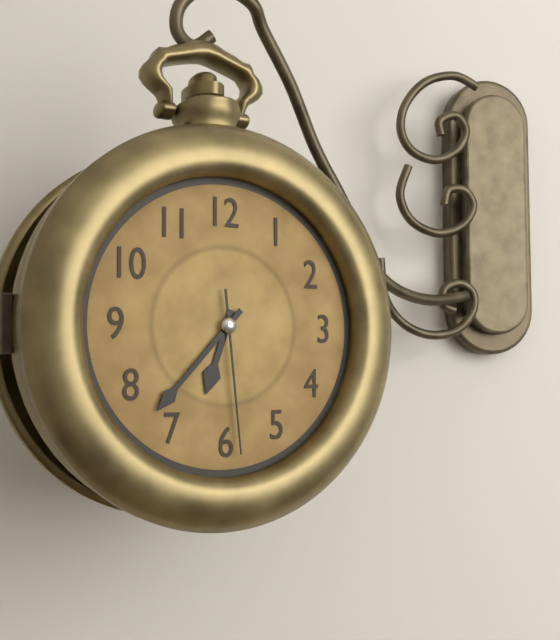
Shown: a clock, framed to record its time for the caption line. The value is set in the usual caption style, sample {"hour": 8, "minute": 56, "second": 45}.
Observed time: {"hour": 6, "minute": 37, "second": 29}
